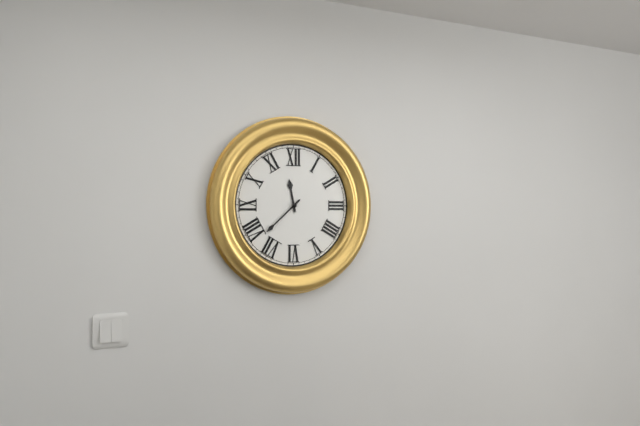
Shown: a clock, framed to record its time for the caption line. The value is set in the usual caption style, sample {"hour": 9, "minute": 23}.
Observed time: {"hour": 11, "minute": 38}
